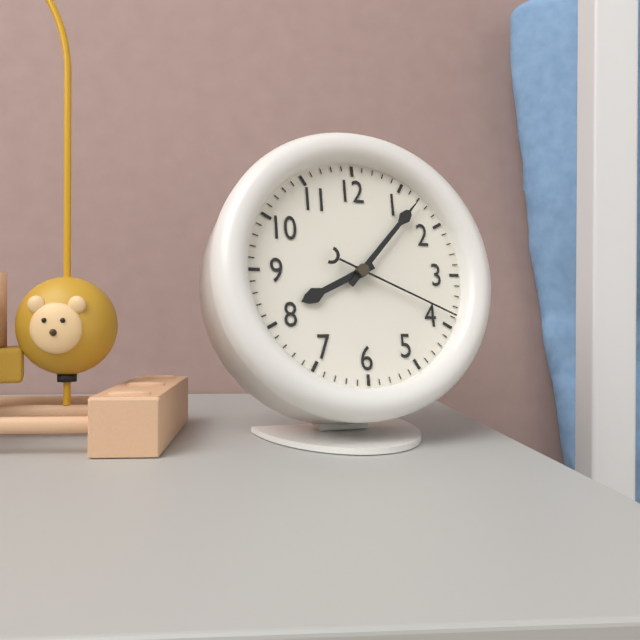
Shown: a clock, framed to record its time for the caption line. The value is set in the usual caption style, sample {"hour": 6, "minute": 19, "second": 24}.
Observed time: {"hour": 8, "minute": 7, "second": 19}
